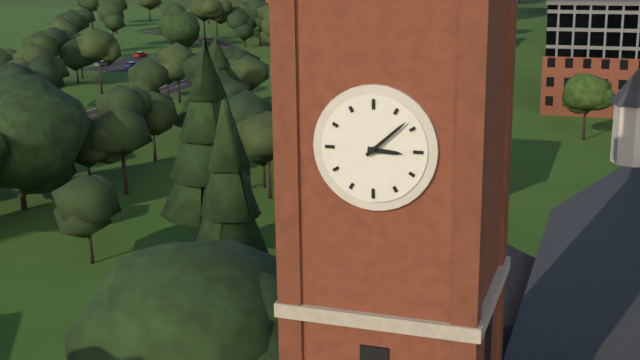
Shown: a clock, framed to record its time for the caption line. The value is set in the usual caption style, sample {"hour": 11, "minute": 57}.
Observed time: {"hour": 3, "minute": 8}
